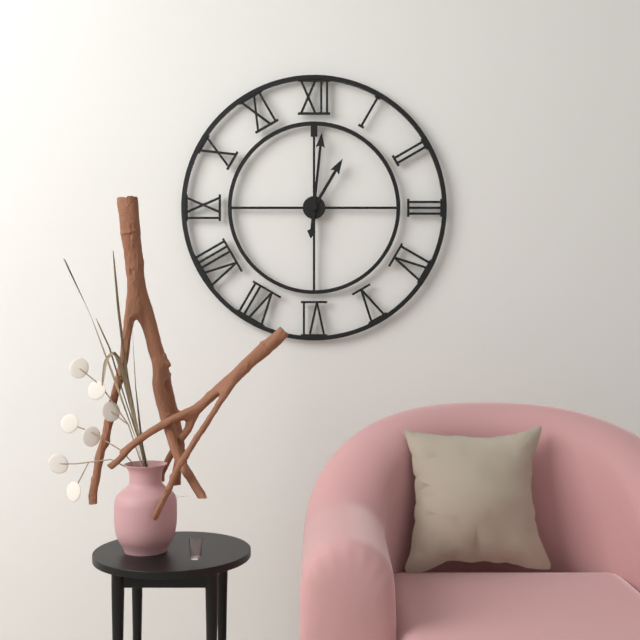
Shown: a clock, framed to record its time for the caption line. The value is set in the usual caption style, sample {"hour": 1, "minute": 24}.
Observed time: {"hour": 1, "minute": 1}
